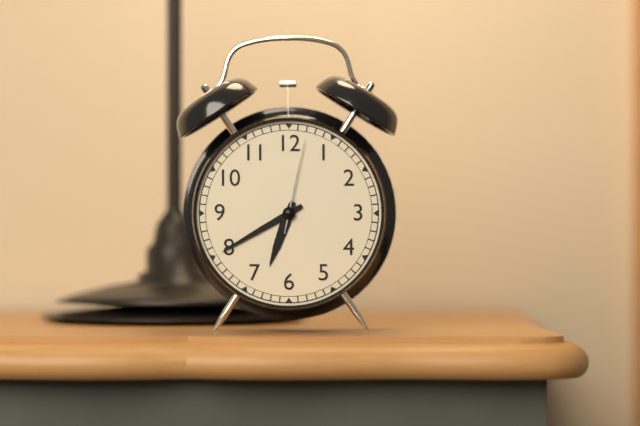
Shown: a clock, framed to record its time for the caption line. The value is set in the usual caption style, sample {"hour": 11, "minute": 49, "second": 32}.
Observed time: {"hour": 6, "minute": 40, "second": 2}
